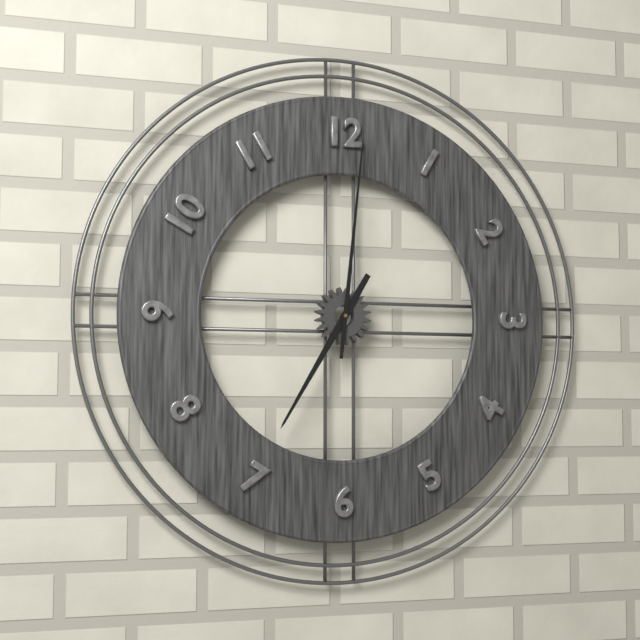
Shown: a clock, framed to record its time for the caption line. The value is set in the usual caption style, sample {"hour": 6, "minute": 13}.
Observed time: {"hour": 7, "minute": 1}
